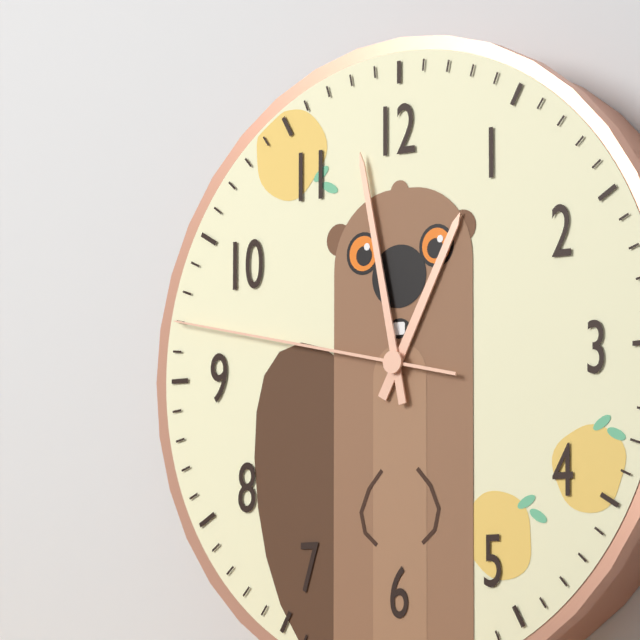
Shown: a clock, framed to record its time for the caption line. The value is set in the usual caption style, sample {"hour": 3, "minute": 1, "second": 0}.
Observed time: {"hour": 12, "minute": 58, "second": 47}
